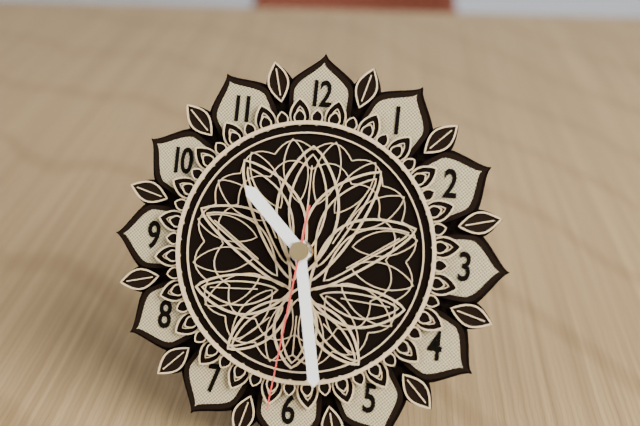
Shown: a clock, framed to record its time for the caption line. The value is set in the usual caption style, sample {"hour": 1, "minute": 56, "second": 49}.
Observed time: {"hour": 10, "minute": 28, "second": 31}
